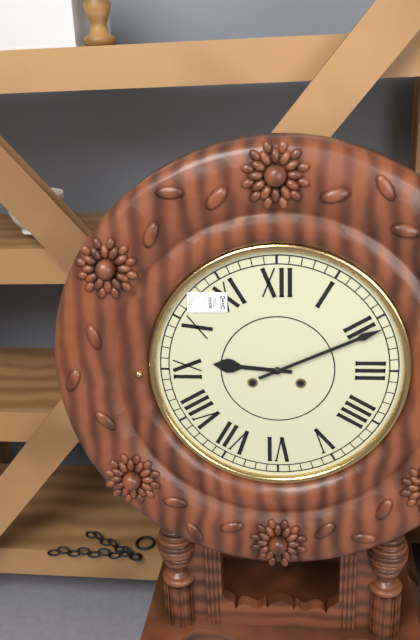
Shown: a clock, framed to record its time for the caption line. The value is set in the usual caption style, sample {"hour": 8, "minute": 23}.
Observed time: {"hour": 9, "minute": 11}
